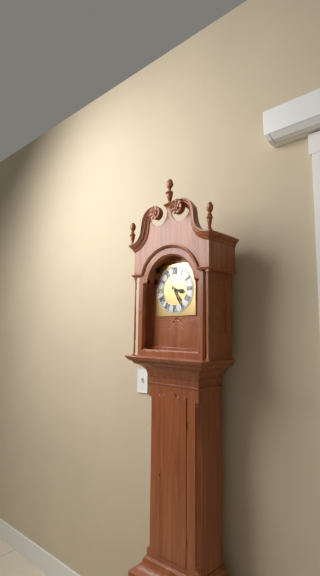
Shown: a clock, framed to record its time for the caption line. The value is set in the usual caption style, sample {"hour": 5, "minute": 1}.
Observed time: {"hour": 3, "minute": 25}
